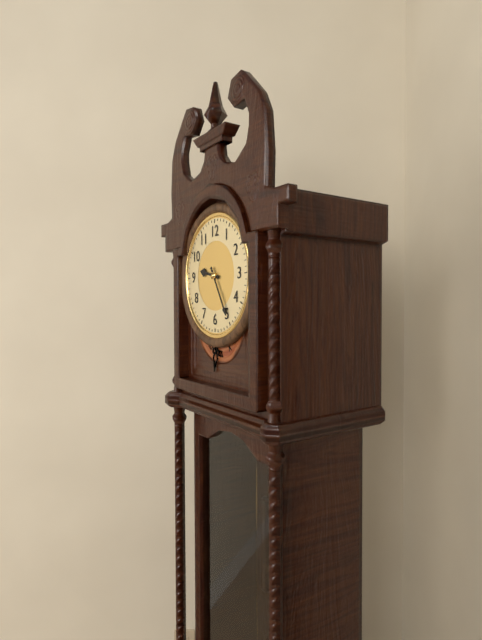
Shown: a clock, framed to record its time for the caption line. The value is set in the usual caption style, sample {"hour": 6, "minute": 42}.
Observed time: {"hour": 9, "minute": 25}
